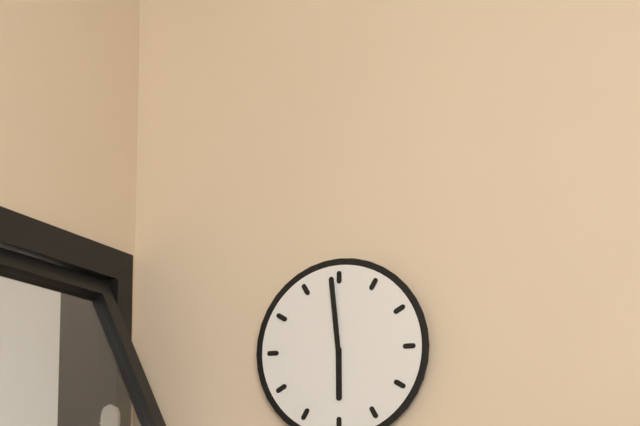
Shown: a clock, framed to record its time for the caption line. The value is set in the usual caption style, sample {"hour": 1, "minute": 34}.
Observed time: {"hour": 5, "minute": 59}
